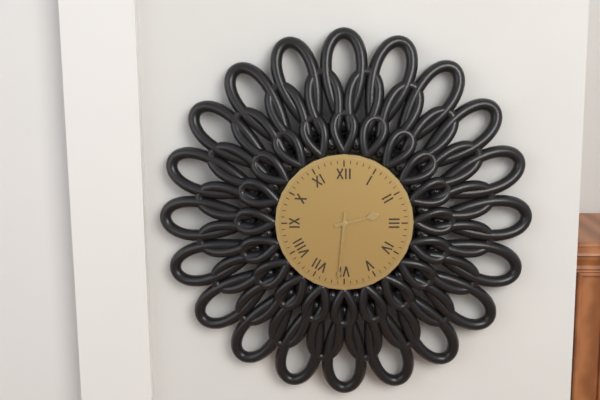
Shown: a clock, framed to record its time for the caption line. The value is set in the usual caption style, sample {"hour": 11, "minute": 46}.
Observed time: {"hour": 2, "minute": 31}
